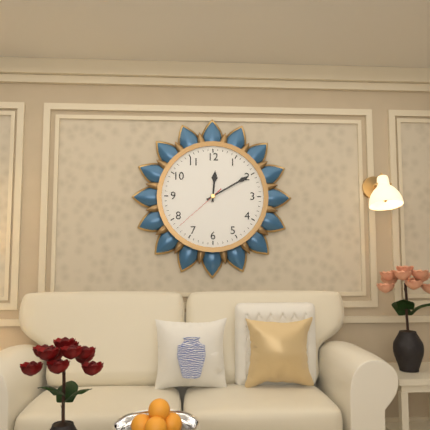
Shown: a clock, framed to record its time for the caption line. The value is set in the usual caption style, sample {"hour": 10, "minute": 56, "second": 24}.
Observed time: {"hour": 12, "minute": 10, "second": 38}
